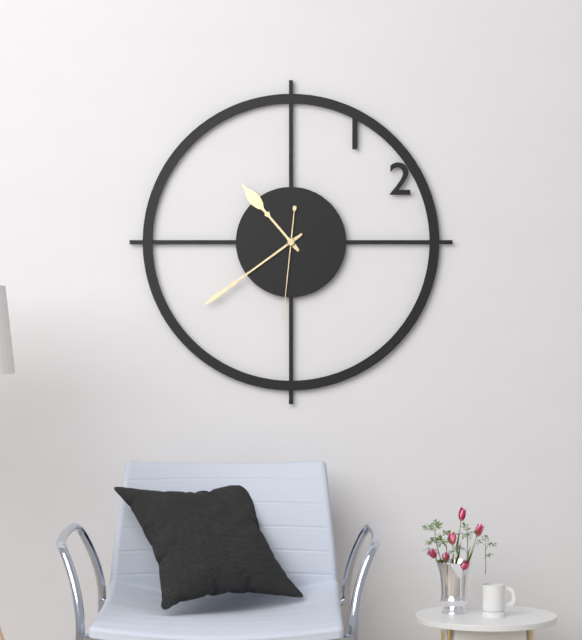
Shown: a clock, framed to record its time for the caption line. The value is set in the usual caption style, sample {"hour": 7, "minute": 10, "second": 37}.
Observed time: {"hour": 10, "minute": 39, "second": 31}
